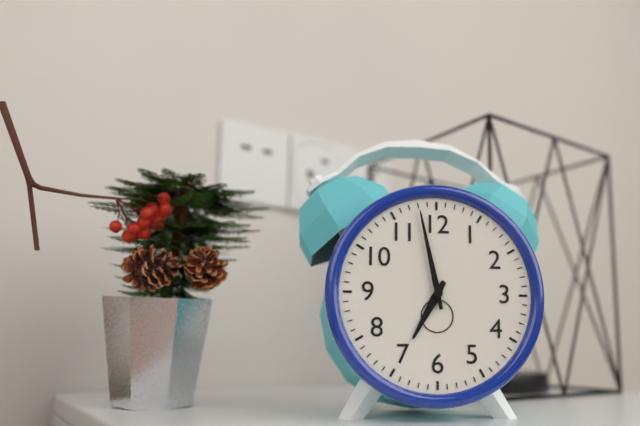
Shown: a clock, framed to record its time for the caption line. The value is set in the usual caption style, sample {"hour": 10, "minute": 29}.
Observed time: {"hour": 6, "minute": 58}
